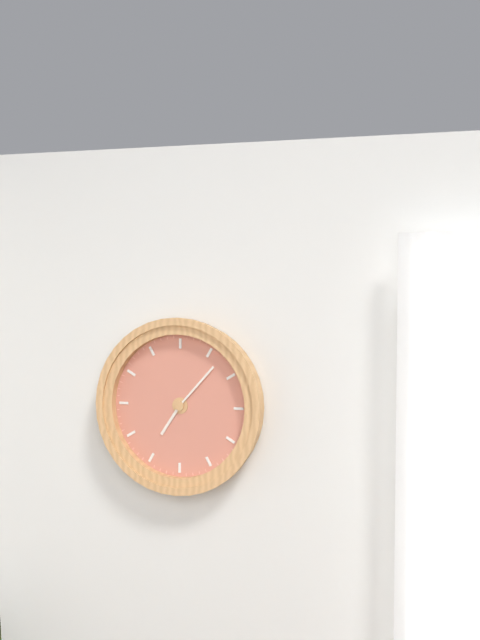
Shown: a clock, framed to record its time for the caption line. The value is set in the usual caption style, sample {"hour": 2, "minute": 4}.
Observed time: {"hour": 7, "minute": 7}
